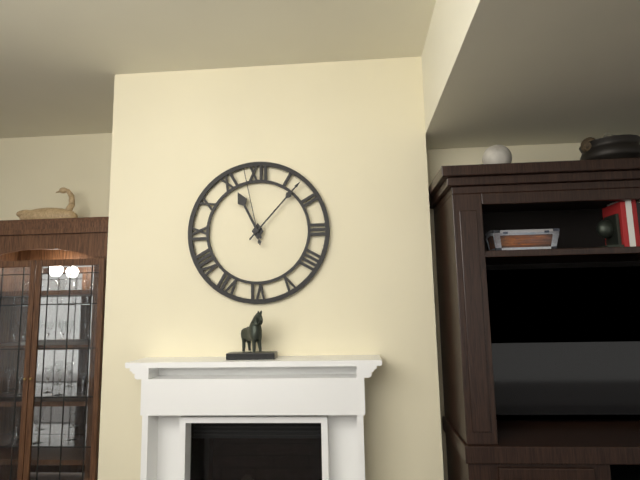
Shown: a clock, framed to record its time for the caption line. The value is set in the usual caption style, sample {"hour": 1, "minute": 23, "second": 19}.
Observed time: {"hour": 11, "minute": 7, "second": 58}
